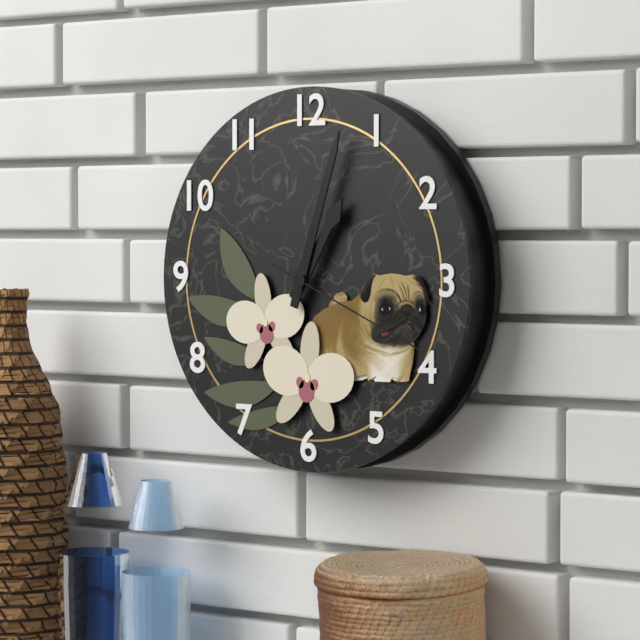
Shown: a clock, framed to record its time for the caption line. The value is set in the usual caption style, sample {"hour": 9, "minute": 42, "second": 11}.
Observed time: {"hour": 1, "minute": 3, "second": 19}
